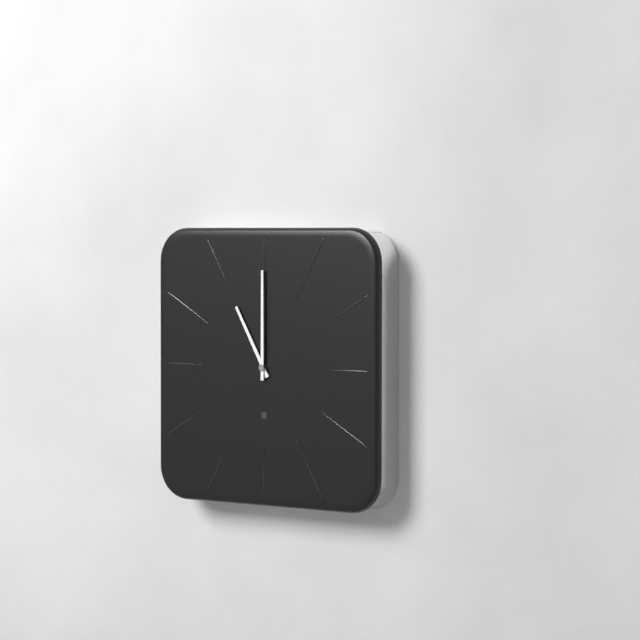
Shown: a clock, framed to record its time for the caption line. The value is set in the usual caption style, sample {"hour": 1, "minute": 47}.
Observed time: {"hour": 11, "minute": 0}
